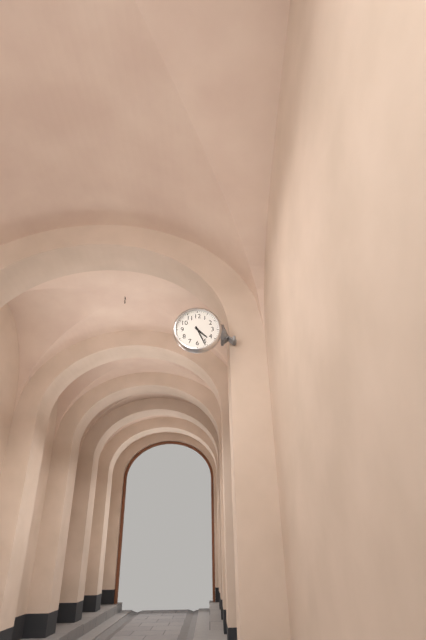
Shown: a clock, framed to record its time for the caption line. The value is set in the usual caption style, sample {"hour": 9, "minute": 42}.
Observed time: {"hour": 4, "minute": 26}
